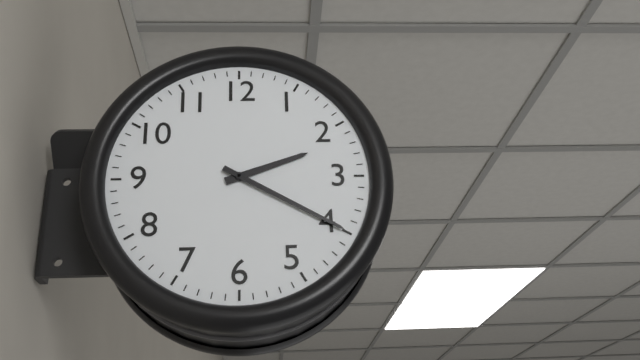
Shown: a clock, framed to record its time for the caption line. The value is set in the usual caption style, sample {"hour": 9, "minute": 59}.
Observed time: {"hour": 2, "minute": 20}
